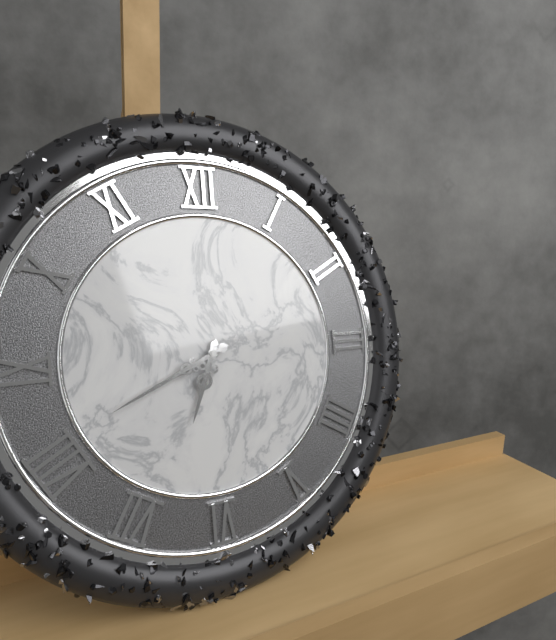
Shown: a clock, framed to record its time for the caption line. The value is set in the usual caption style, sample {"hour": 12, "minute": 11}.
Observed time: {"hour": 6, "minute": 41}
